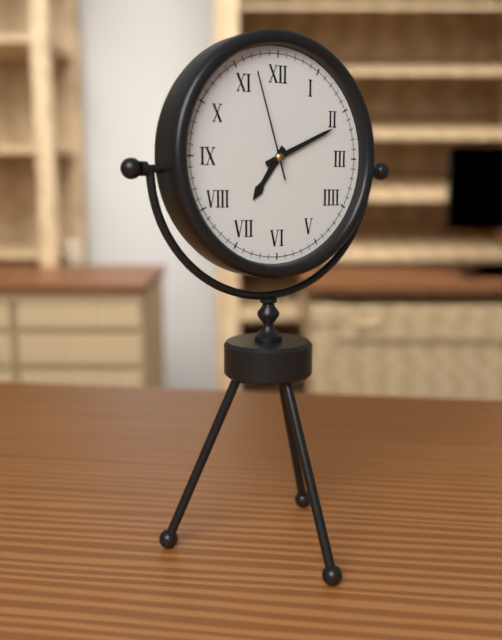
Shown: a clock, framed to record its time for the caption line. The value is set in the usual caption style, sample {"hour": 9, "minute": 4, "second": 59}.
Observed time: {"hour": 7, "minute": 11, "second": 57}
